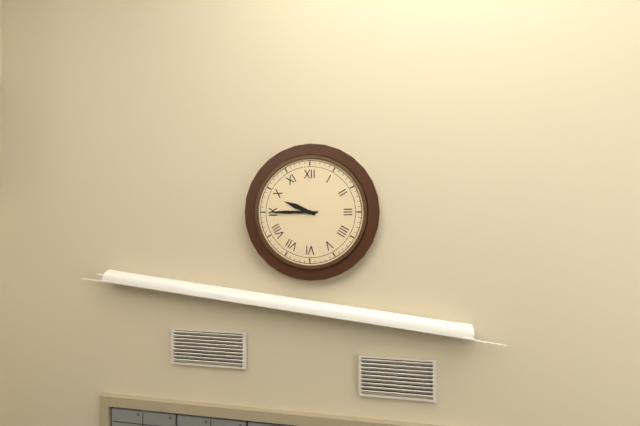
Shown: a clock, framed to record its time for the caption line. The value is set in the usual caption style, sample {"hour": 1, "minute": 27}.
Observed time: {"hour": 9, "minute": 45}
